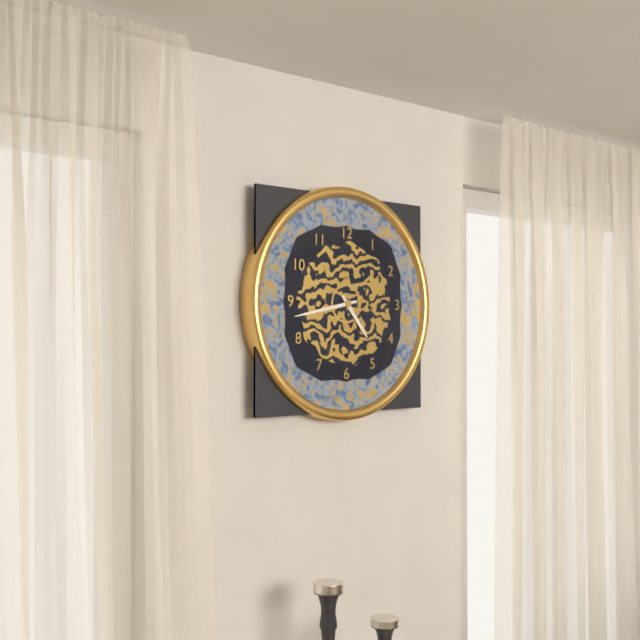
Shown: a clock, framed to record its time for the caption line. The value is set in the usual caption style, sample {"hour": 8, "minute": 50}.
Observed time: {"hour": 4, "minute": 43}
